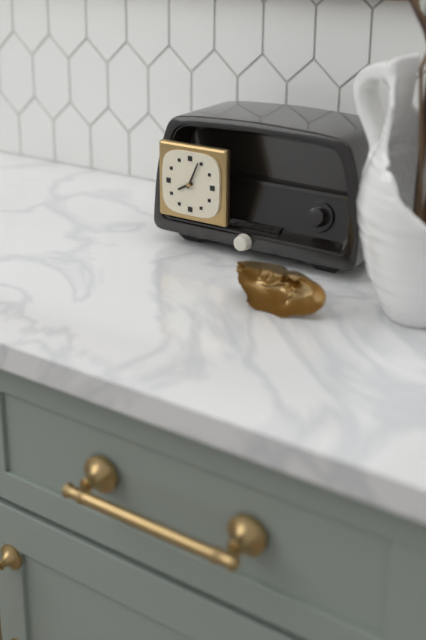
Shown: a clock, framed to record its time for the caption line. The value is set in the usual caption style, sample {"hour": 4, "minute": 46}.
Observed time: {"hour": 8, "minute": 4}
